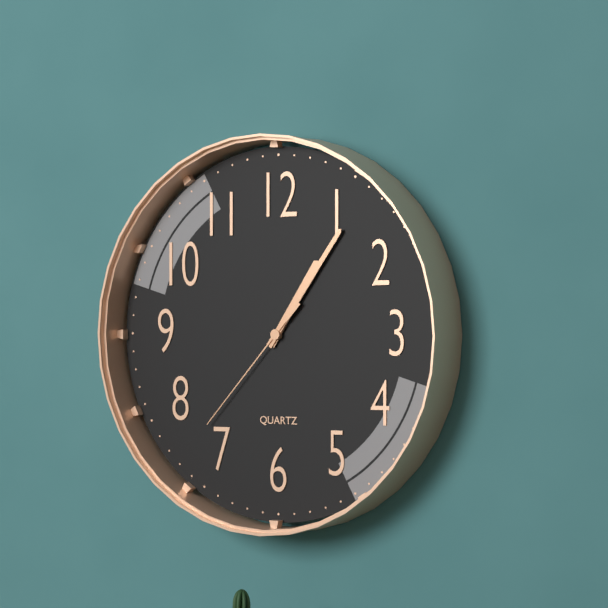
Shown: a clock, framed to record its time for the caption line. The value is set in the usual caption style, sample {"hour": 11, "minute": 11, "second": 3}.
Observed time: {"hour": 1, "minute": 6, "second": 37}
